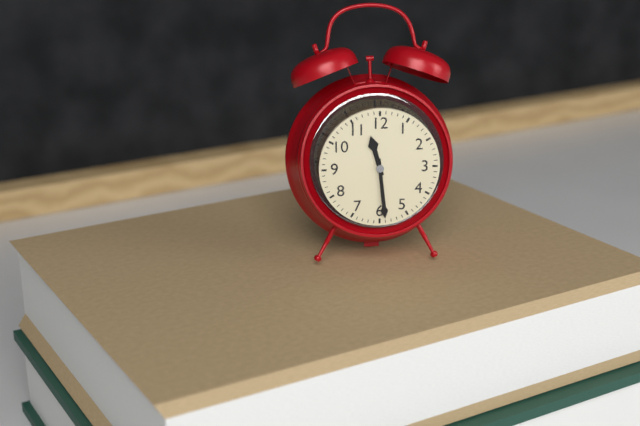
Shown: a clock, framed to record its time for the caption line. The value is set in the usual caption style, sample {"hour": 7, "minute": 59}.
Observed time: {"hour": 11, "minute": 29}
